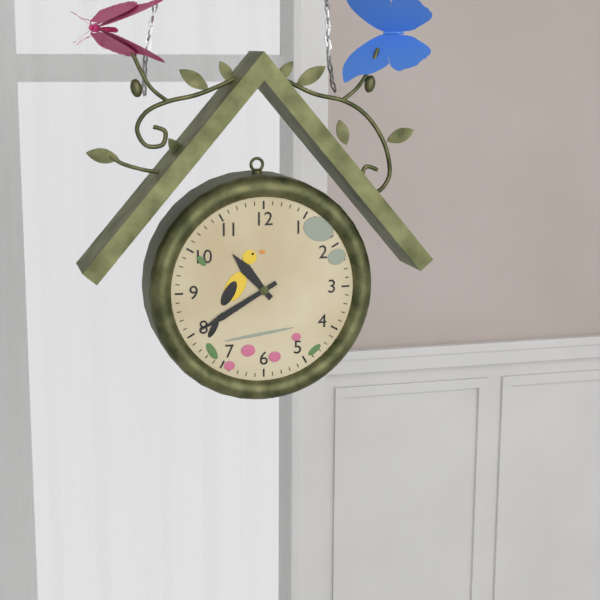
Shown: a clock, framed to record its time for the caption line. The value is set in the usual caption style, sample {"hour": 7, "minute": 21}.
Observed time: {"hour": 10, "minute": 40}
